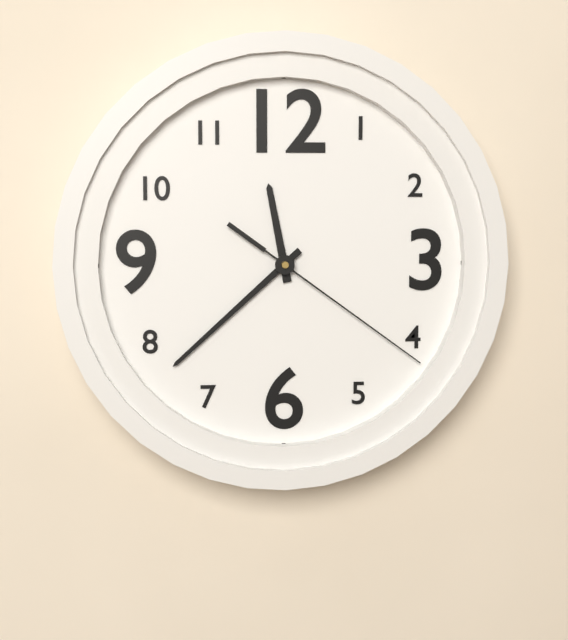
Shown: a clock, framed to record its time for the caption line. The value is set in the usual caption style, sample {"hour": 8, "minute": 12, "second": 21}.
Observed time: {"hour": 11, "minute": 38, "second": 21}
